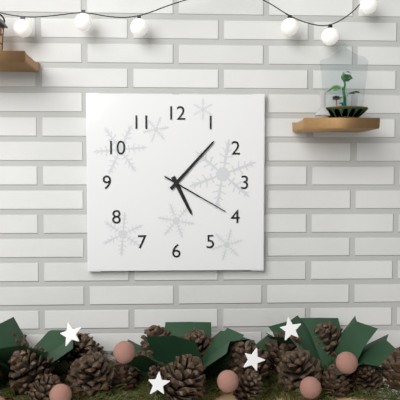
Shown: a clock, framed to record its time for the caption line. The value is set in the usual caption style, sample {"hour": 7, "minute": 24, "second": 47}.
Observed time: {"hour": 5, "minute": 7, "second": 20}
